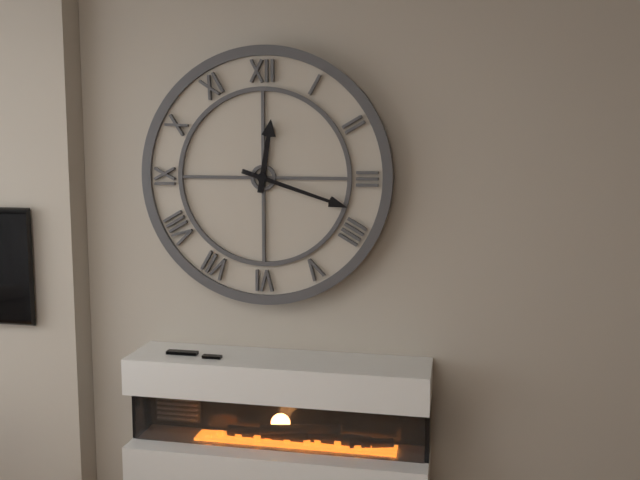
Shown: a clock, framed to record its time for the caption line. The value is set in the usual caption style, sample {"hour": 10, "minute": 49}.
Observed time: {"hour": 12, "minute": 18}
